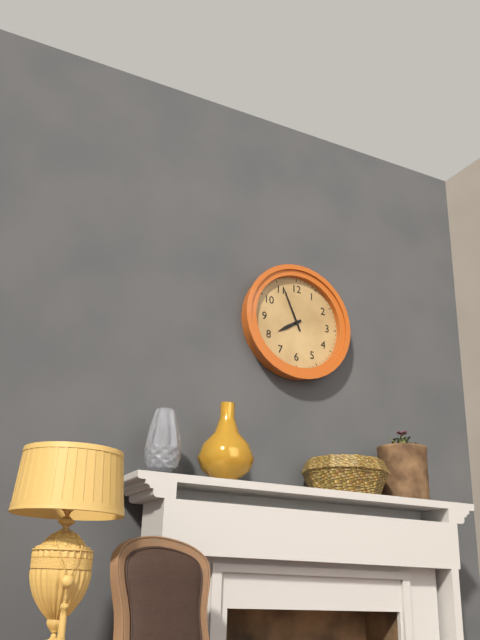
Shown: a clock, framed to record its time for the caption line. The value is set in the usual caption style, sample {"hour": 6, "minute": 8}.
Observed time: {"hour": 7, "minute": 56}
